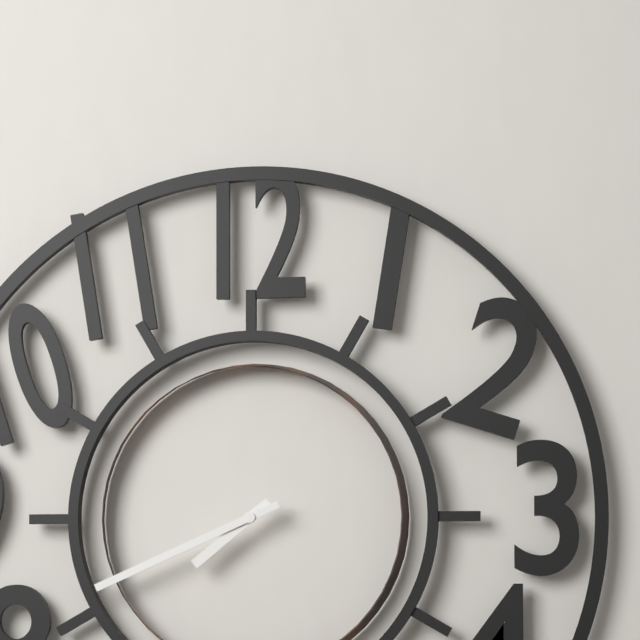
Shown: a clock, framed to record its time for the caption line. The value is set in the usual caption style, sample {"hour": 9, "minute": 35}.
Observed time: {"hour": 7, "minute": 41}
